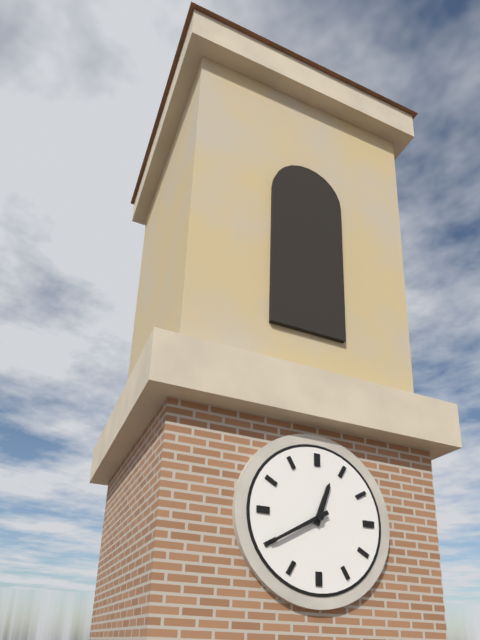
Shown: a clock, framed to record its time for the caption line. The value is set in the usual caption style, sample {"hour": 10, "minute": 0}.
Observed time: {"hour": 12, "minute": 40}
